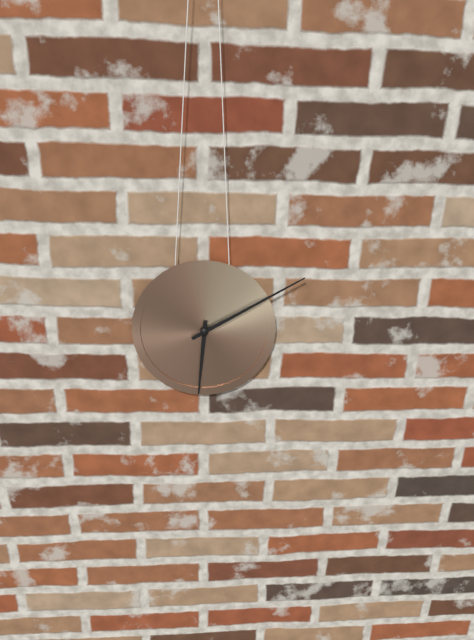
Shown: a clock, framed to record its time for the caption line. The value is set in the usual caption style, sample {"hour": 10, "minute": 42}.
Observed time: {"hour": 6, "minute": 10}
